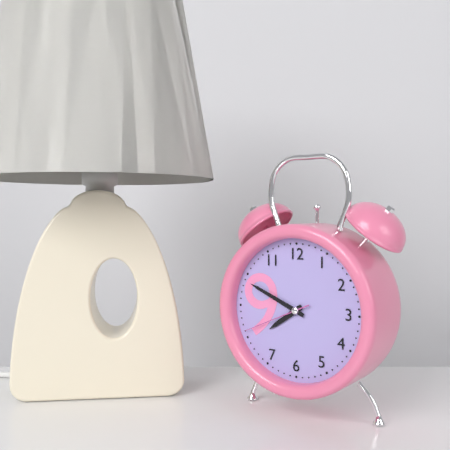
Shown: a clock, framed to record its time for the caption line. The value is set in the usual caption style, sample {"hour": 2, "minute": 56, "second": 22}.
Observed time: {"hour": 7, "minute": 49, "second": 41}
